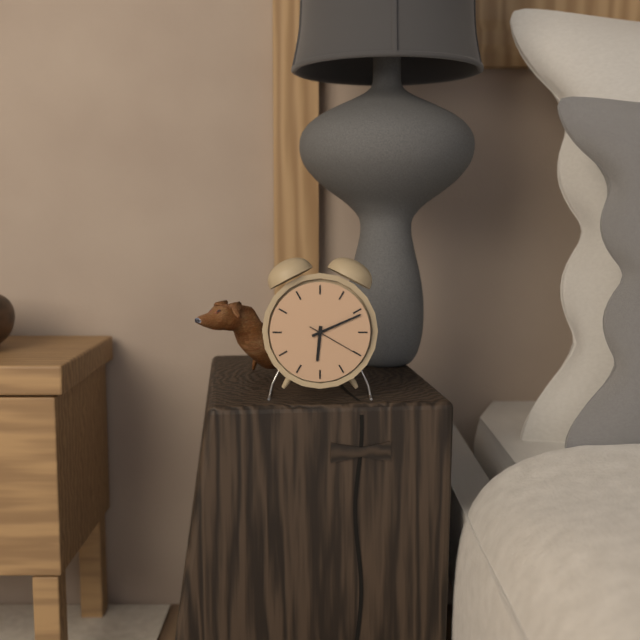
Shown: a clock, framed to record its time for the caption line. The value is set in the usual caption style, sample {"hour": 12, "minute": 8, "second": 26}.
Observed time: {"hour": 6, "minute": 11, "second": 20}
